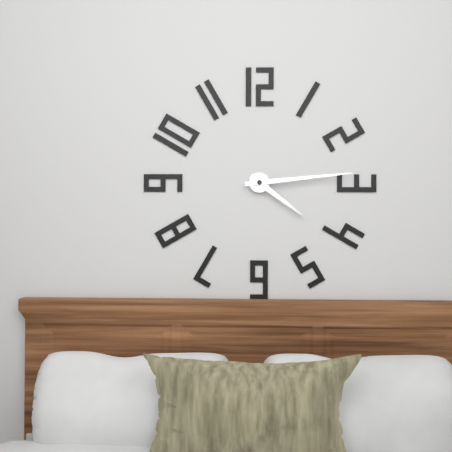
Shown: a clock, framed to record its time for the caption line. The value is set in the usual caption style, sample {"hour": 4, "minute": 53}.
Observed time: {"hour": 4, "minute": 14}
